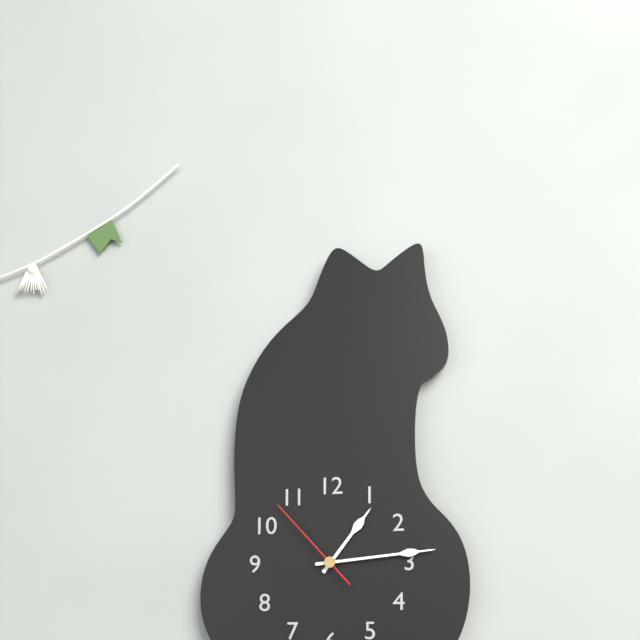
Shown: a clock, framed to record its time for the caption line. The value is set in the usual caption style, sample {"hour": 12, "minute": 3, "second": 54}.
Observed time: {"hour": 1, "minute": 14, "second": 53}
